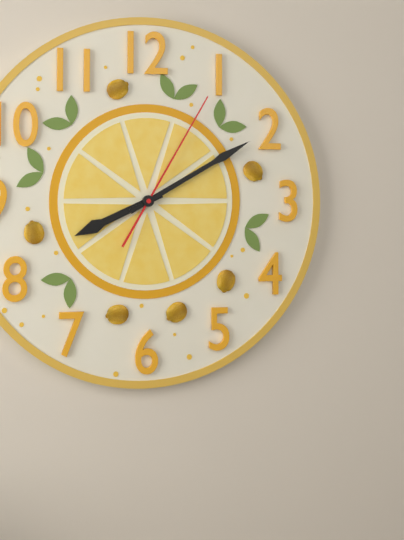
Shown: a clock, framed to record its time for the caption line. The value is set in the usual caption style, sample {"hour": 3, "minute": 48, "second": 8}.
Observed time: {"hour": 8, "minute": 10, "second": 5}
